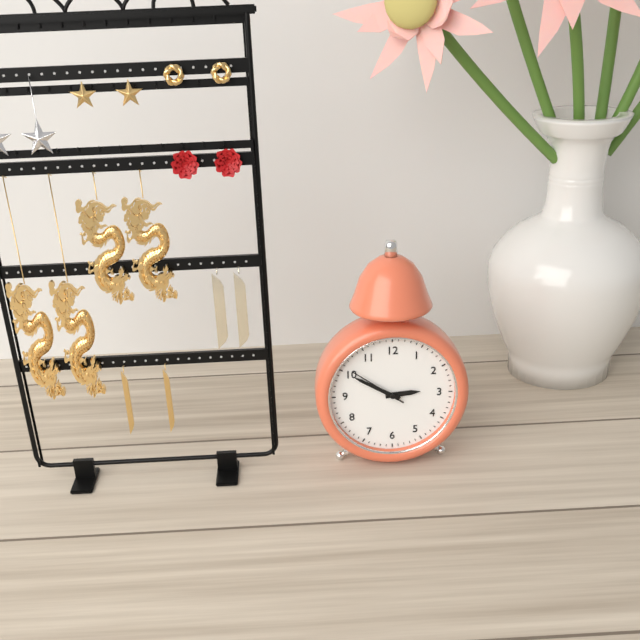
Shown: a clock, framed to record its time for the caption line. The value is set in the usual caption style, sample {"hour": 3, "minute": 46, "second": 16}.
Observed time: {"hour": 2, "minute": 50, "second": 51}
